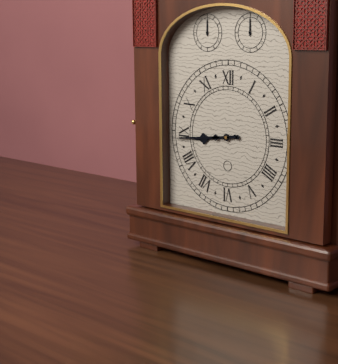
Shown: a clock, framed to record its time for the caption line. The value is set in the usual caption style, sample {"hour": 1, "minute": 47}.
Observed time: {"hour": 8, "minute": 44}
